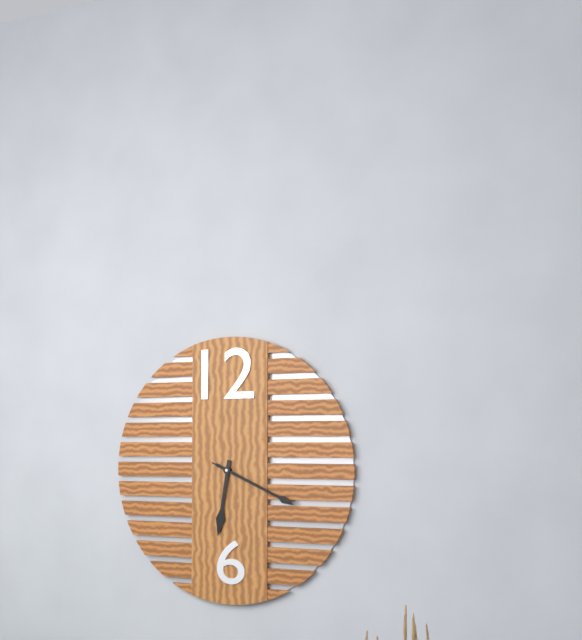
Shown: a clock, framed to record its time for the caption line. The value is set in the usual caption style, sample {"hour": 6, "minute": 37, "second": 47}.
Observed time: {"hour": 6, "minute": 19, "second": 19}
